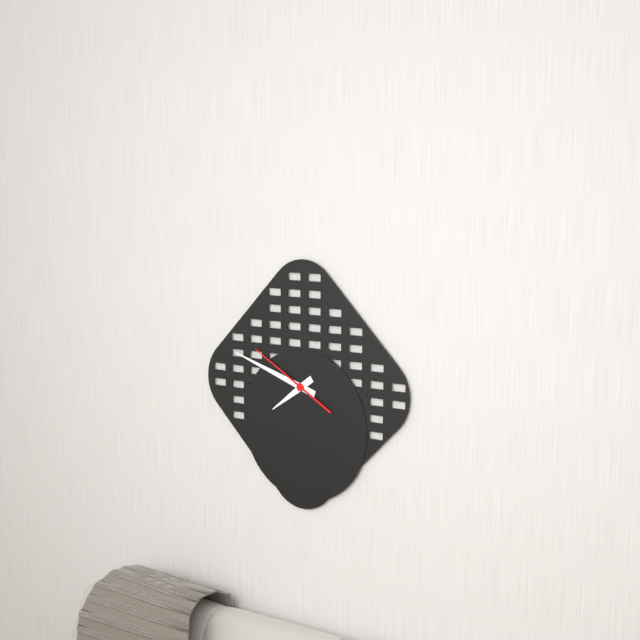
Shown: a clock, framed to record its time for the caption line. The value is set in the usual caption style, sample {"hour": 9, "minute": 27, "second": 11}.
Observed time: {"hour": 7, "minute": 48, "second": 50}
